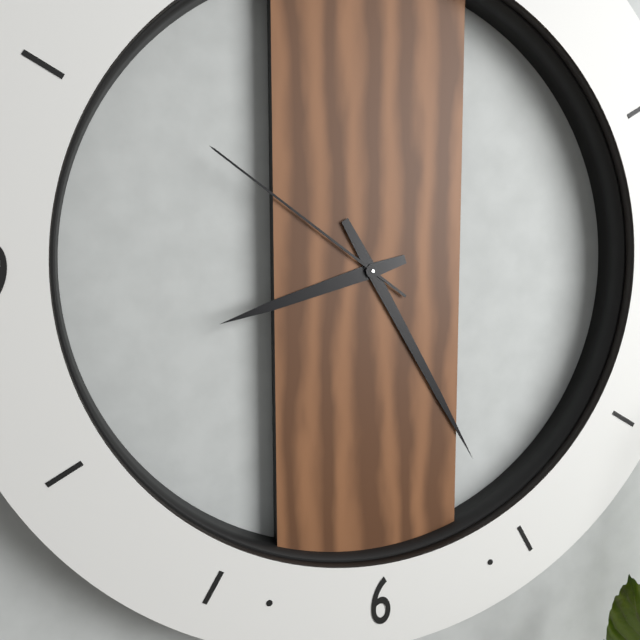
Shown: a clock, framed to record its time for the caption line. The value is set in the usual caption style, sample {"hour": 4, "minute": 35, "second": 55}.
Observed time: {"hour": 8, "minute": 25, "second": 51}
